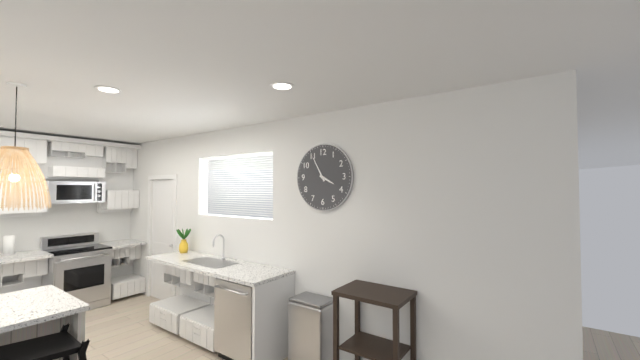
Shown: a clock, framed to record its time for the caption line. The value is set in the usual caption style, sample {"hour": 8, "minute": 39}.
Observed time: {"hour": 3, "minute": 55}
